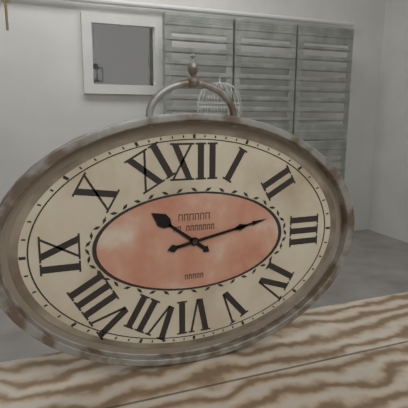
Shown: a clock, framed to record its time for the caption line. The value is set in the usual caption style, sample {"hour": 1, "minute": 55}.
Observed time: {"hour": 10, "minute": 13}
